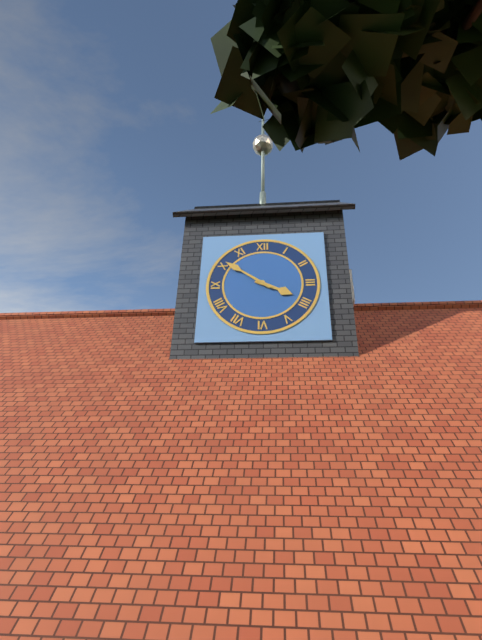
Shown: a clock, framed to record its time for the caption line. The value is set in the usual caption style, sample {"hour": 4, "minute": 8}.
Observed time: {"hour": 3, "minute": 51}
